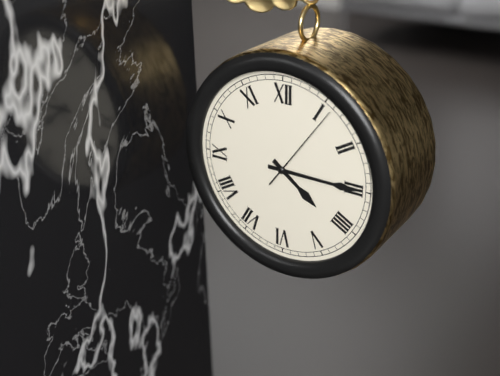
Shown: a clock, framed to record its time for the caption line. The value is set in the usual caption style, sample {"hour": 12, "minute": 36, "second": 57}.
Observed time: {"hour": 4, "minute": 15, "second": 6}
